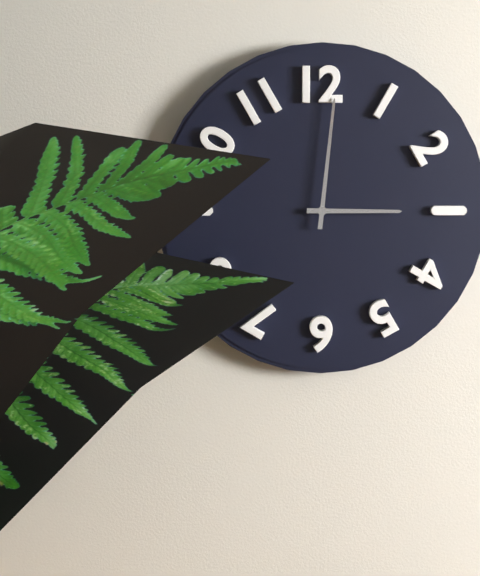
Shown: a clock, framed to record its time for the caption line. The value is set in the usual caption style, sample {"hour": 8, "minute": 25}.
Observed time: {"hour": 3, "minute": 1}
